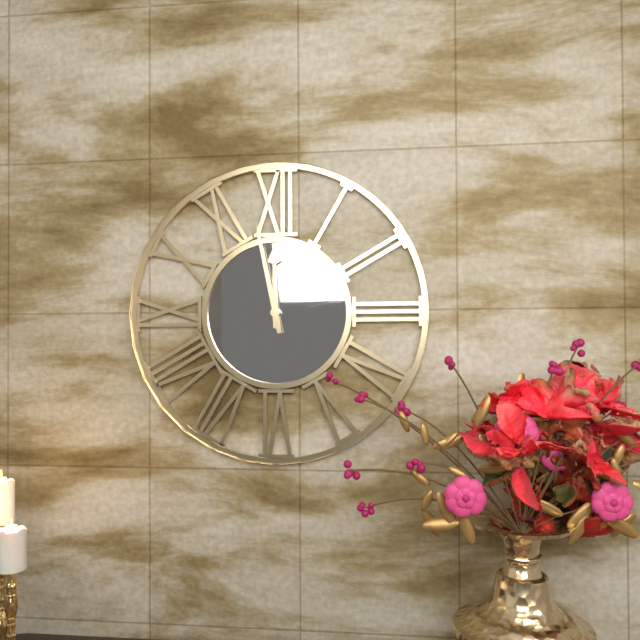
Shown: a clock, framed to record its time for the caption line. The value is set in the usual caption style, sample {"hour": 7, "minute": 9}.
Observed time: {"hour": 11, "minute": 58}
